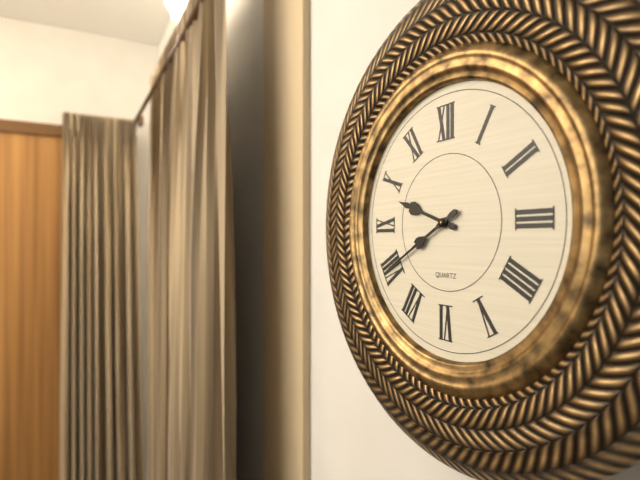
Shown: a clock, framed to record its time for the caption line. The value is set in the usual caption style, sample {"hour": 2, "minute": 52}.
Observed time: {"hour": 9, "minute": 40}
